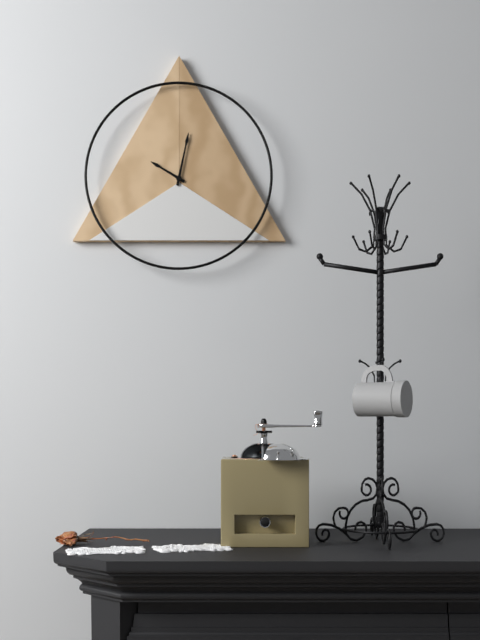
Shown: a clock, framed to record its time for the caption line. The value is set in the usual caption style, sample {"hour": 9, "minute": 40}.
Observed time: {"hour": 10, "minute": 2}
